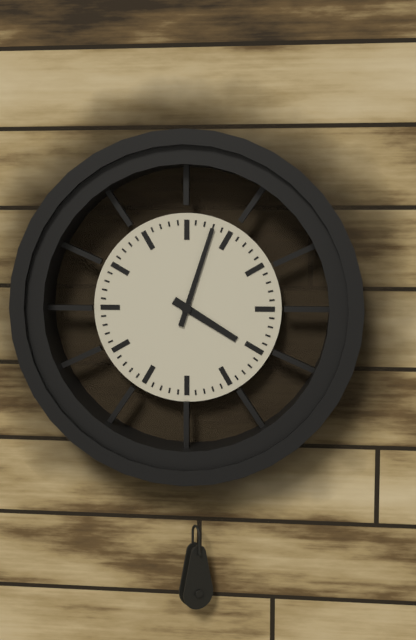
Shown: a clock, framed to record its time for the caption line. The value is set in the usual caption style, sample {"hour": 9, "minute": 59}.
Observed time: {"hour": 4, "minute": 3}
